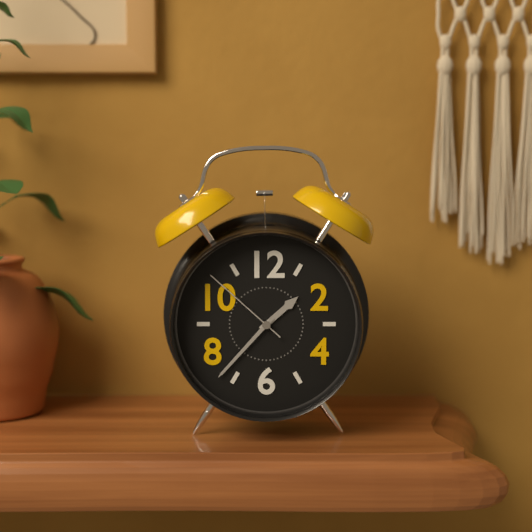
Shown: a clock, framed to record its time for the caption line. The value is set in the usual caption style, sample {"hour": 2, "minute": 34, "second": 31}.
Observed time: {"hour": 1, "minute": 37, "second": 52}
